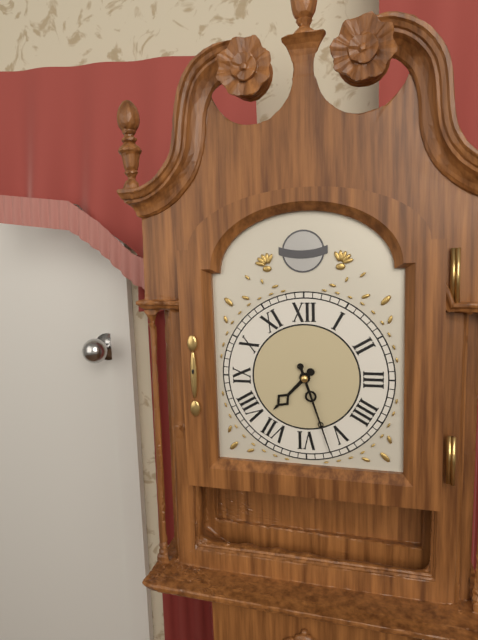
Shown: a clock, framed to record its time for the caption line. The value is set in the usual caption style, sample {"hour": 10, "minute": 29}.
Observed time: {"hour": 7, "minute": 27}
